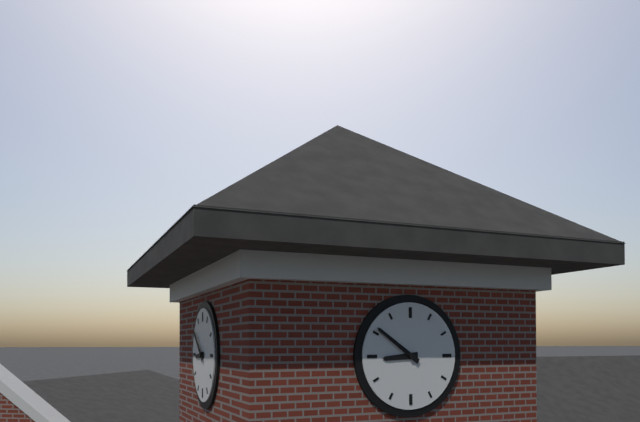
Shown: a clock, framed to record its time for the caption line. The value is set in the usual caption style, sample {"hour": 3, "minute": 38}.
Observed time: {"hour": 8, "minute": 51}
